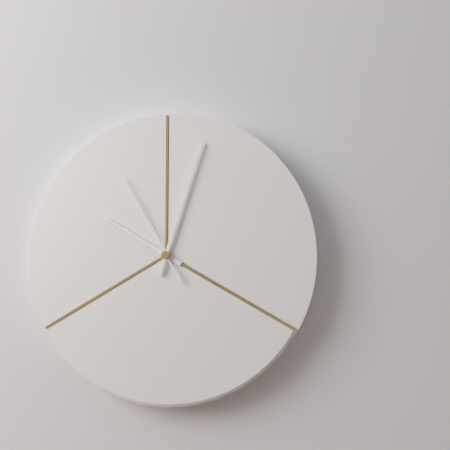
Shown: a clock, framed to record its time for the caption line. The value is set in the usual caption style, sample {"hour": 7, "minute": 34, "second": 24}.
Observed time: {"hour": 10, "minute": 3, "second": 55}
